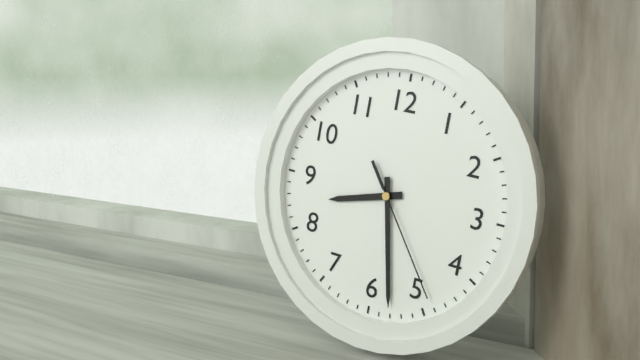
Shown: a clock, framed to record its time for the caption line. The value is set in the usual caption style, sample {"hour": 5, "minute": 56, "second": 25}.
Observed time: {"hour": 8, "minute": 28, "second": 24}
